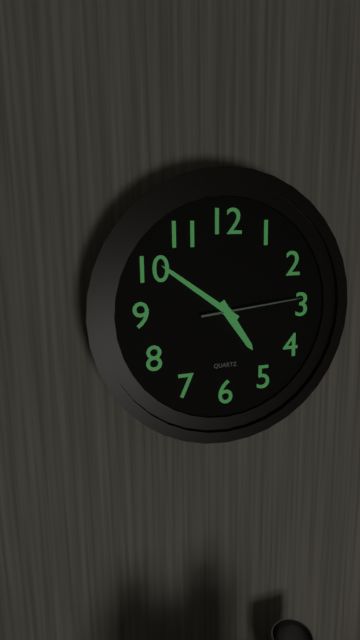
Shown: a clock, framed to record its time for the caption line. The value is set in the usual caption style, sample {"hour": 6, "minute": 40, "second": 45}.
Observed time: {"hour": 4, "minute": 51, "second": 14}
